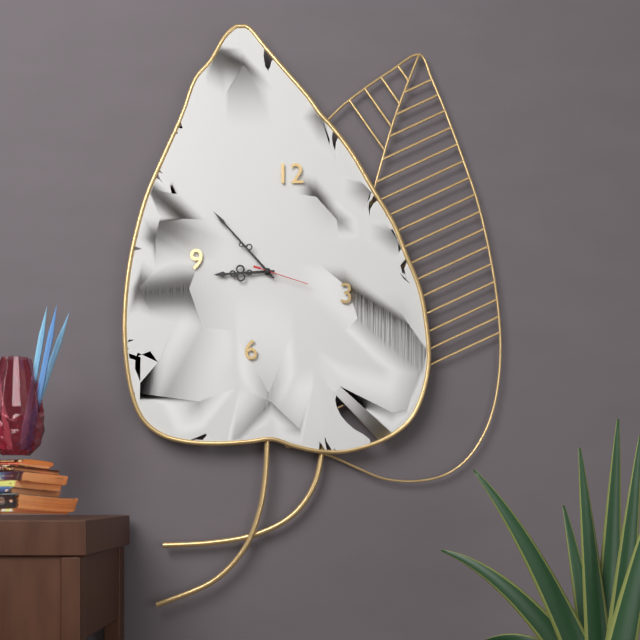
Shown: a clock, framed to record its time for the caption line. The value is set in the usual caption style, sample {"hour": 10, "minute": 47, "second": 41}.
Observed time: {"hour": 8, "minute": 53, "second": 18}
